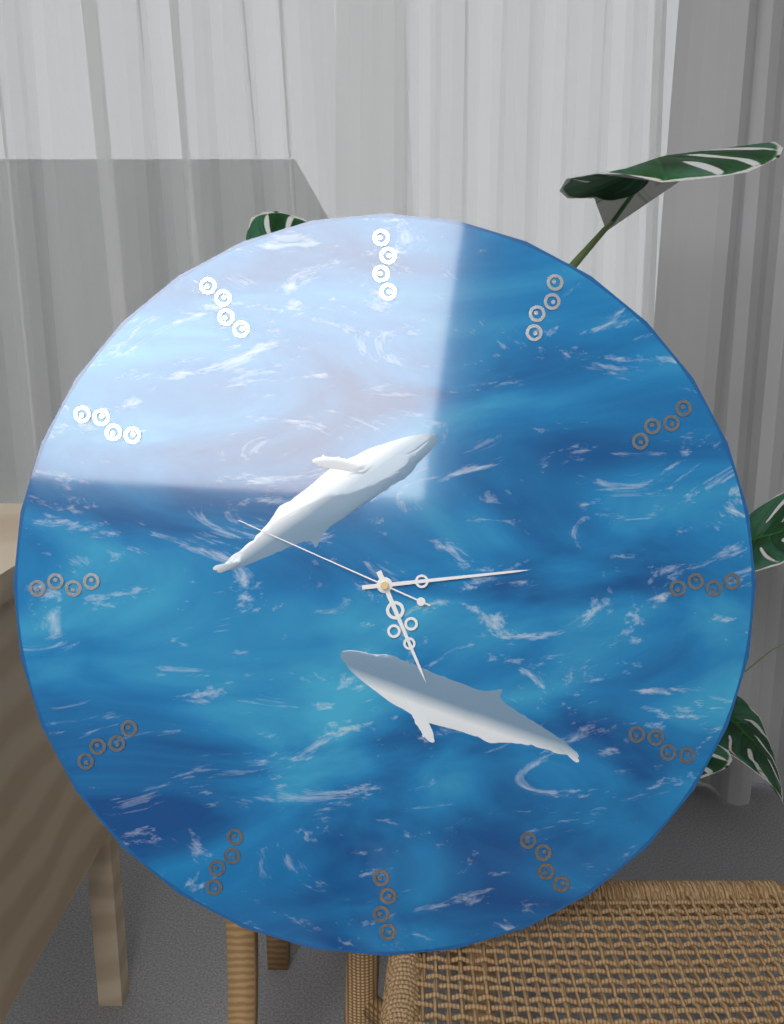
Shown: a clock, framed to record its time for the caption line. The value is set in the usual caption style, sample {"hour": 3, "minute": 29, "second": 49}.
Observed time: {"hour": 5, "minute": 14, "second": 49}
